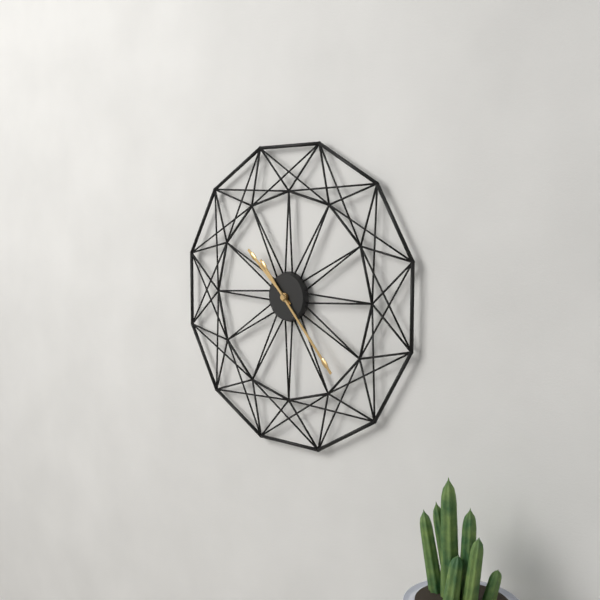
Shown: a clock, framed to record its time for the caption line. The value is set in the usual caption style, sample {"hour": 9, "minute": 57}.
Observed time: {"hour": 10, "minute": 23}
